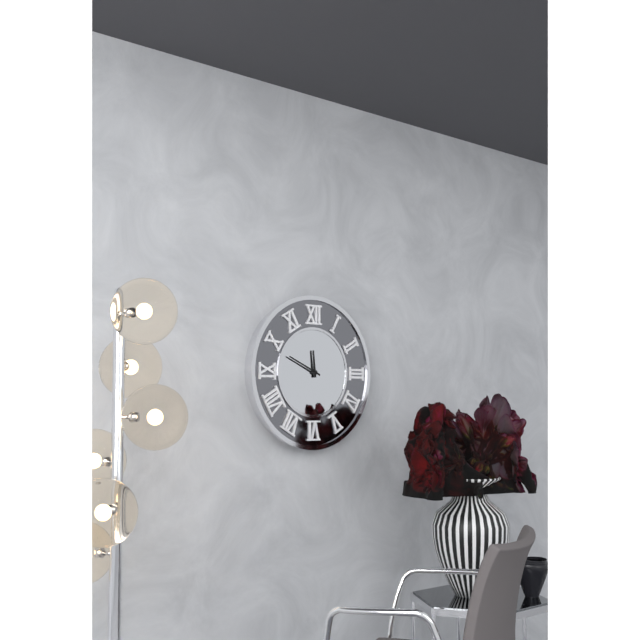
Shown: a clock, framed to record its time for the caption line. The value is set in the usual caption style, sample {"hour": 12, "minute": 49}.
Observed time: {"hour": 11, "minute": 49}
